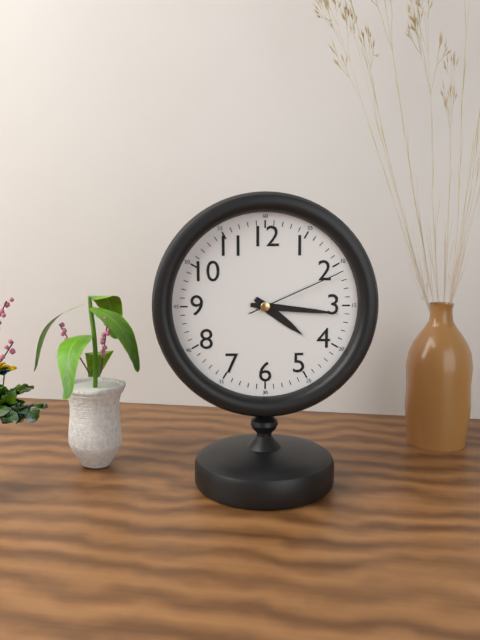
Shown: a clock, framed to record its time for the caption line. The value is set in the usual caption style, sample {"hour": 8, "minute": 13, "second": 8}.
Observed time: {"hour": 4, "minute": 16, "second": 11}
